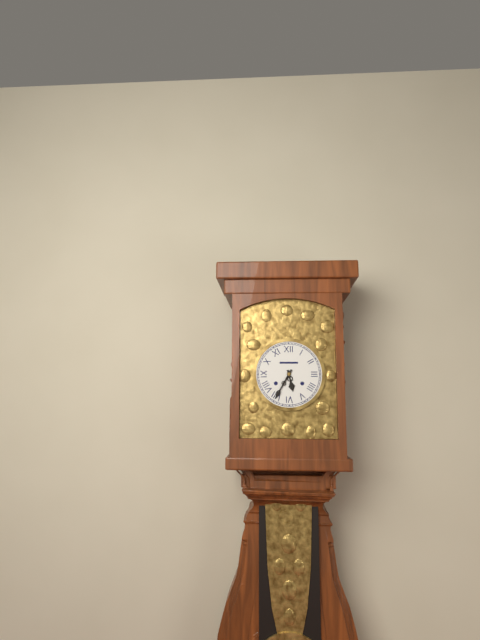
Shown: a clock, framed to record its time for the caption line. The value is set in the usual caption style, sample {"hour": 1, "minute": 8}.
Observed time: {"hour": 5, "minute": 35}
